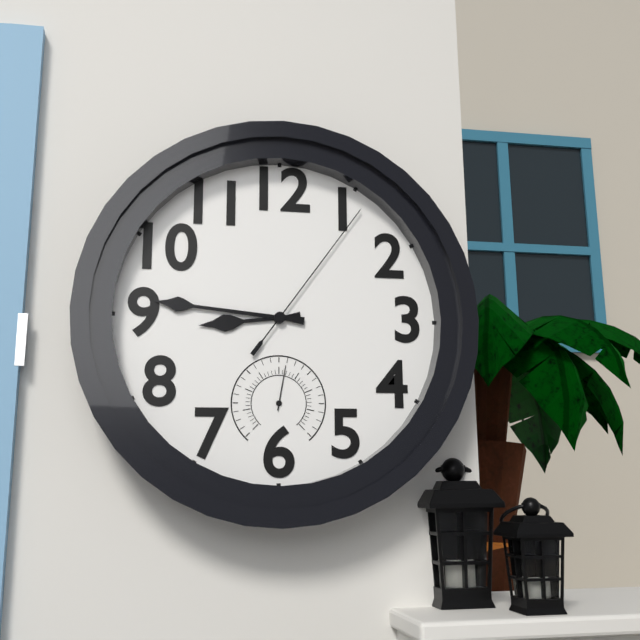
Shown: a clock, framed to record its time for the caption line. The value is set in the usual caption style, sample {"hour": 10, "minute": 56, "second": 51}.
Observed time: {"hour": 8, "minute": 46, "second": 6}
